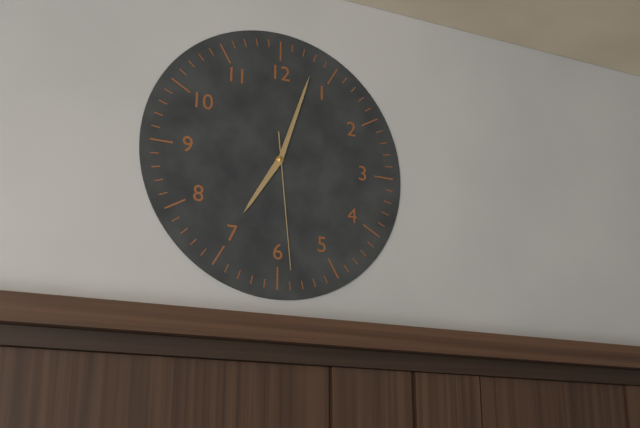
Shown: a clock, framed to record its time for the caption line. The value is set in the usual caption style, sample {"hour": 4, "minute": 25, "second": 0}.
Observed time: {"hour": 7, "minute": 3, "second": 29}
